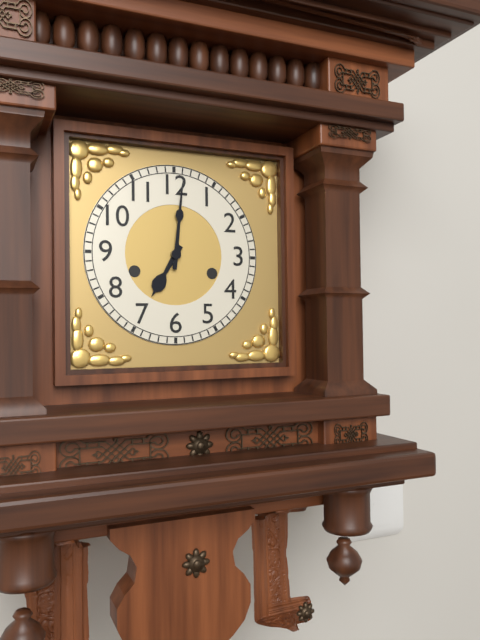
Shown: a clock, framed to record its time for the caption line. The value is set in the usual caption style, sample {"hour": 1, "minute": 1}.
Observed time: {"hour": 7, "minute": 1}
